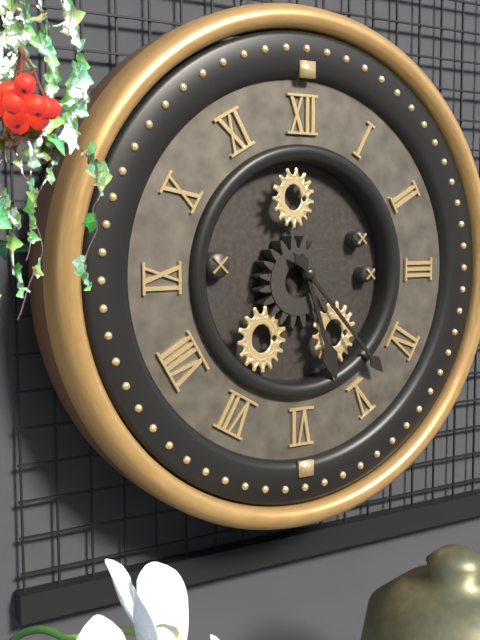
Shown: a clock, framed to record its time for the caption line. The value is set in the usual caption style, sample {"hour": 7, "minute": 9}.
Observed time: {"hour": 5, "minute": 23}
